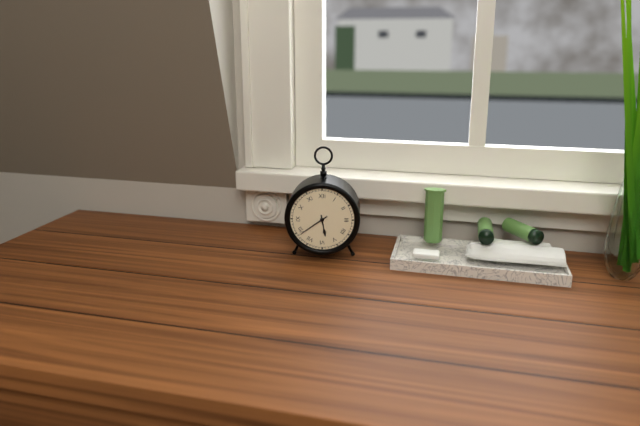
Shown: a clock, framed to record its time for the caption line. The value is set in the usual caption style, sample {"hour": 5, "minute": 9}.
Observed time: {"hour": 5, "minute": 39}
